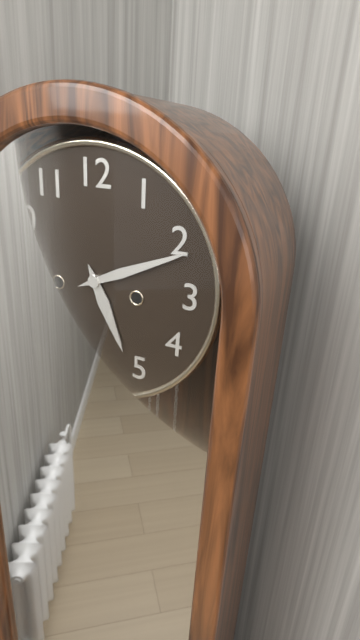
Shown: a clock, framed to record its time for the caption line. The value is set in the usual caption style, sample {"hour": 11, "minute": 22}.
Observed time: {"hour": 5, "minute": 11}
